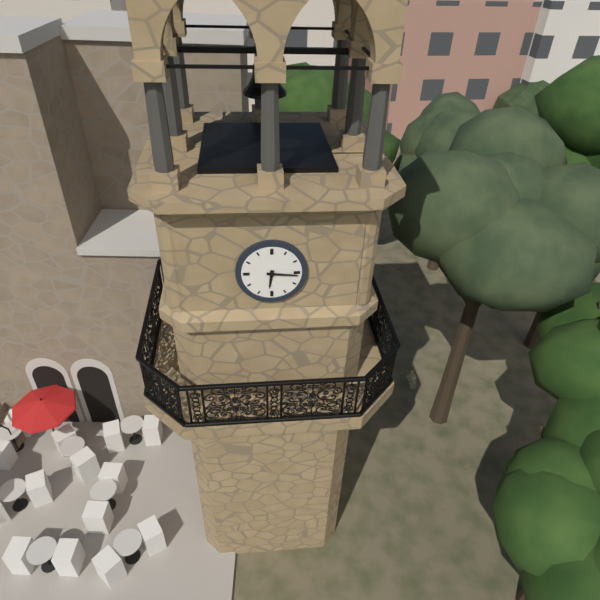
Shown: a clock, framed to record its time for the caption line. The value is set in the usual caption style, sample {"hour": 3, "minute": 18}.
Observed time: {"hour": 6, "minute": 16}
